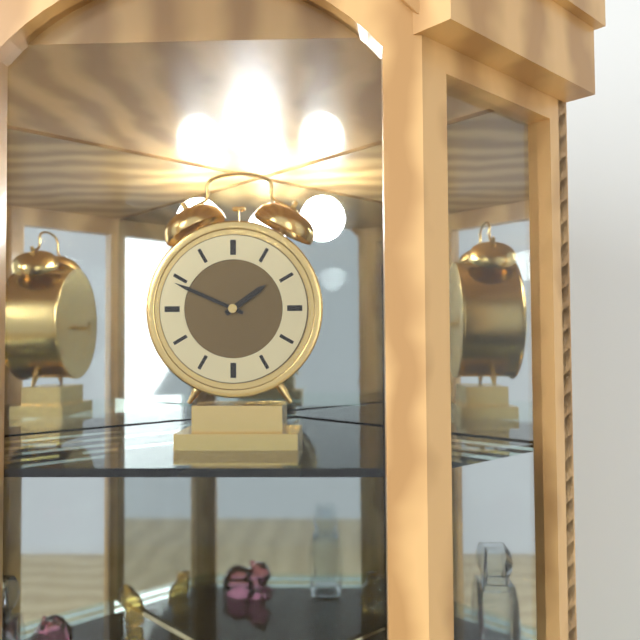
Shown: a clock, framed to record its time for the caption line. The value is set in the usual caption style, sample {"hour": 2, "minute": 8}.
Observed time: {"hour": 1, "minute": 49}
